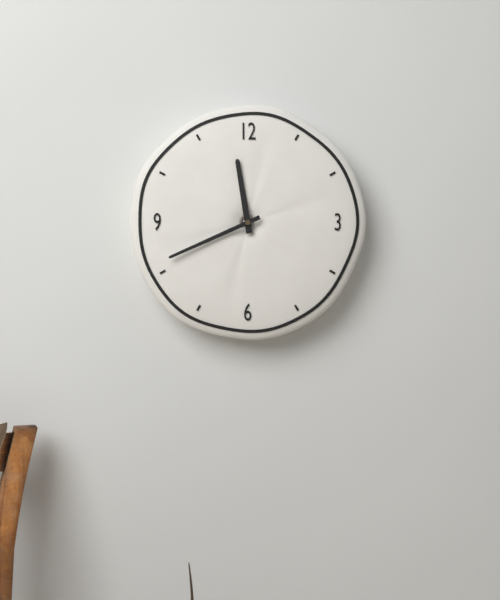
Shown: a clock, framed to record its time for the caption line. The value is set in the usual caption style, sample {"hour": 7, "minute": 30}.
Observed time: {"hour": 11, "minute": 41}
